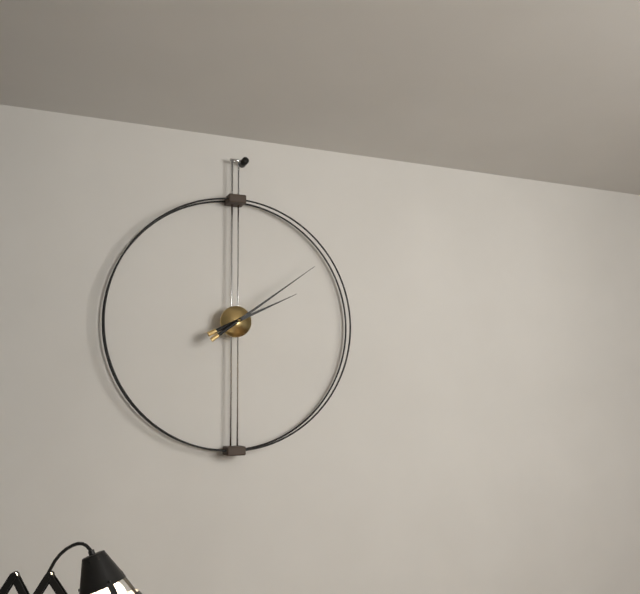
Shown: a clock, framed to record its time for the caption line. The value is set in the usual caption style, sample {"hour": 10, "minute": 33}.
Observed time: {"hour": 2, "minute": 9}
